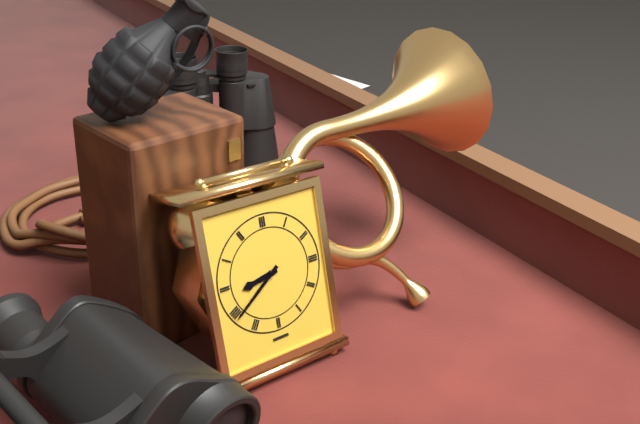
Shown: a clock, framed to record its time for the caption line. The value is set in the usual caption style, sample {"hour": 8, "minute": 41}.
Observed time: {"hour": 8, "minute": 39}
